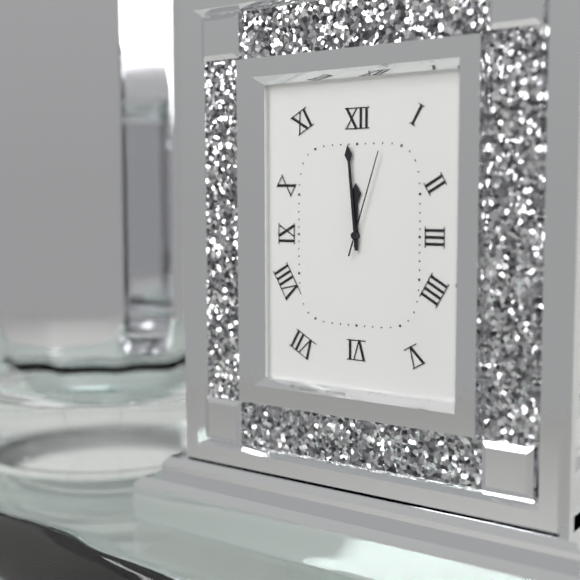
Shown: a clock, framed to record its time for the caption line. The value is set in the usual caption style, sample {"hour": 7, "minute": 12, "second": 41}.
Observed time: {"hour": 11, "minute": 59, "second": 3}
